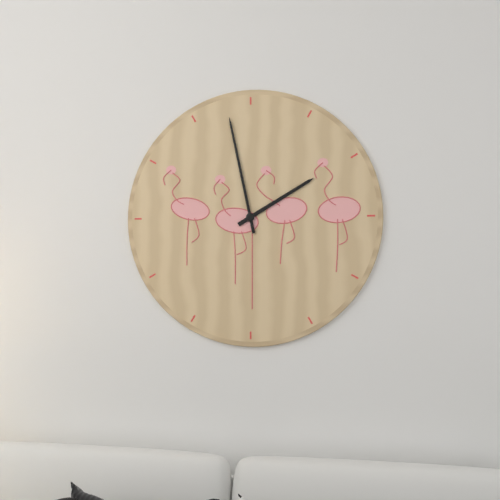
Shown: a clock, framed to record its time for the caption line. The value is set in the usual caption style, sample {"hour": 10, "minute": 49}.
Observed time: {"hour": 1, "minute": 58}
